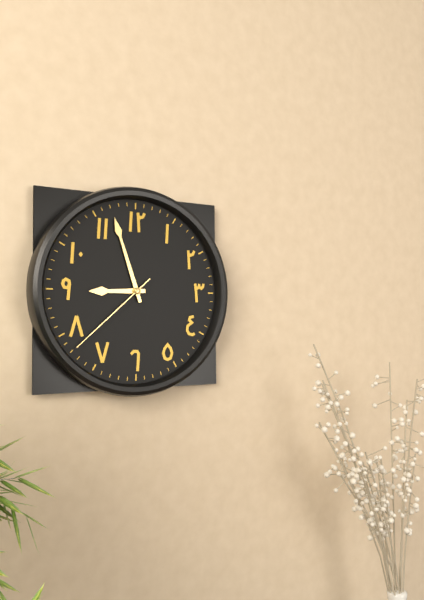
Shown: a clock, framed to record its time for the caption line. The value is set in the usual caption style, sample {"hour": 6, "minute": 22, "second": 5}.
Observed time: {"hour": 8, "minute": 57, "second": 38}
